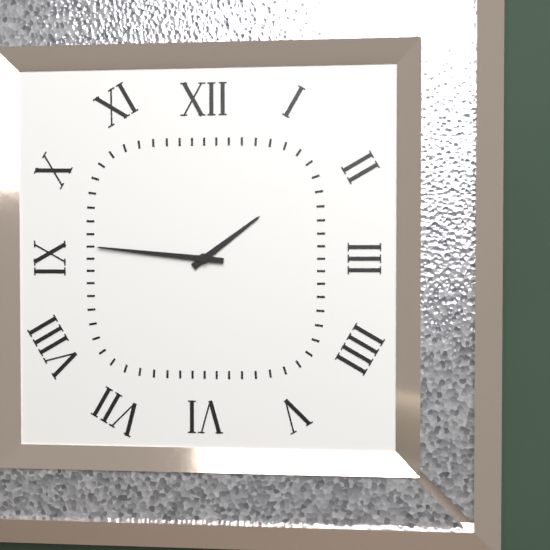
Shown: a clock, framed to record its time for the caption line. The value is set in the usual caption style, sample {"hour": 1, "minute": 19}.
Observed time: {"hour": 1, "minute": 46}
